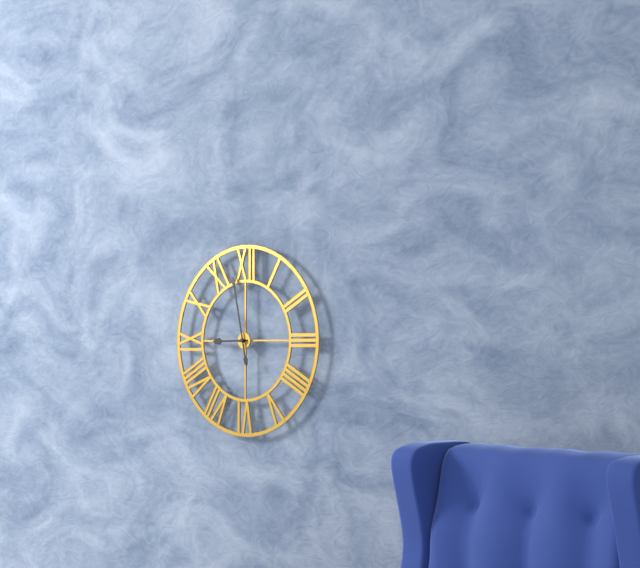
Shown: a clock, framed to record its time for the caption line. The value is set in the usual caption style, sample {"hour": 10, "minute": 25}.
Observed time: {"hour": 8, "minute": 58}
